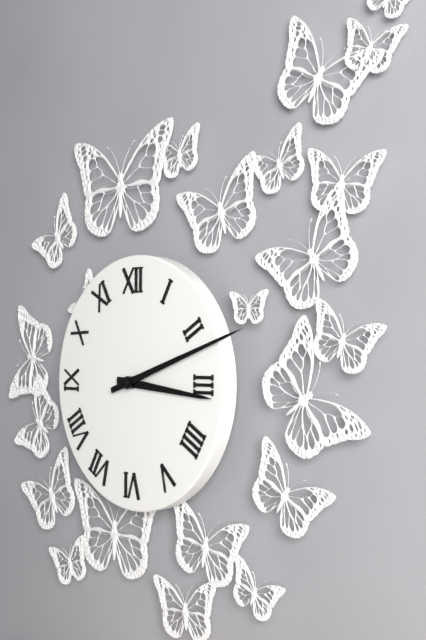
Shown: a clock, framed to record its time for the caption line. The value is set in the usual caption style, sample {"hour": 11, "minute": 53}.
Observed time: {"hour": 3, "minute": 12}
